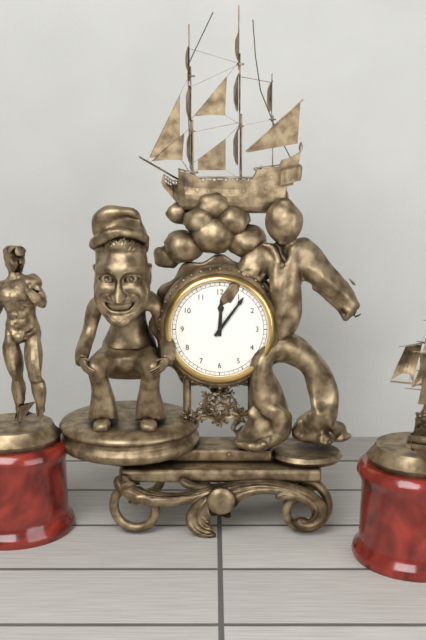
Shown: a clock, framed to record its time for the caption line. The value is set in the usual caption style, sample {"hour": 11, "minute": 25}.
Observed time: {"hour": 12, "minute": 6}
